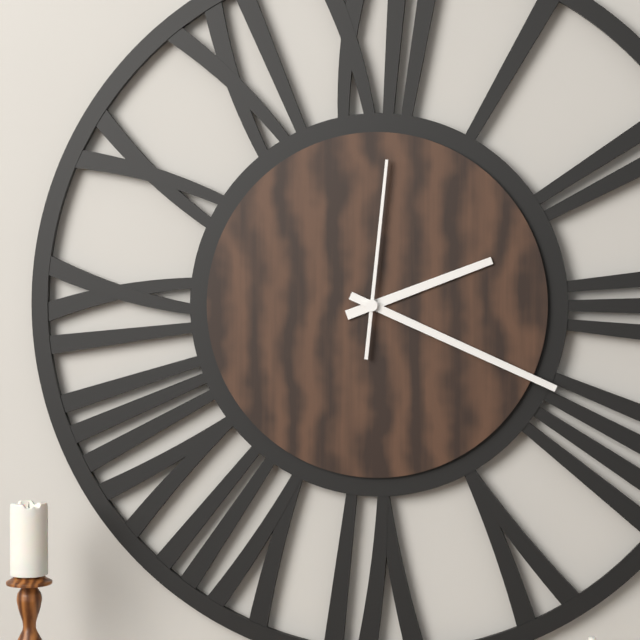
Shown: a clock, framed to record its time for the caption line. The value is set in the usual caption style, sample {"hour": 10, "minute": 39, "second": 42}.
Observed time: {"hour": 2, "minute": 19, "second": 1}
